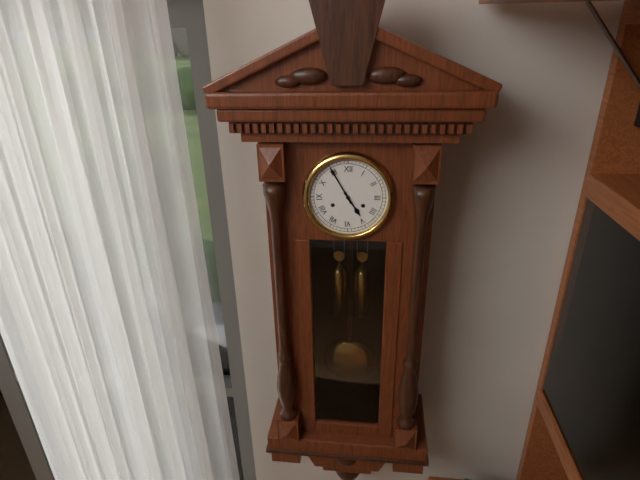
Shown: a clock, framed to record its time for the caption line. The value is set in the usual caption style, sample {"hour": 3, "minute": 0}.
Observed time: {"hour": 4, "minute": 55}
